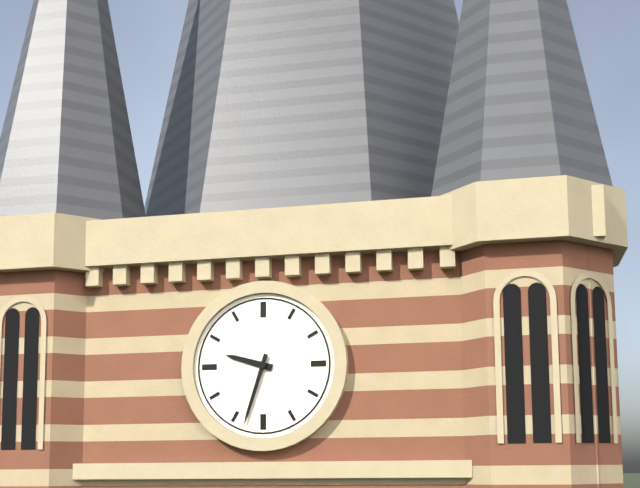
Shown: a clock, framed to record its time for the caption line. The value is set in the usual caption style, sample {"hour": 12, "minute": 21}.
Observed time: {"hour": 9, "minute": 33}
